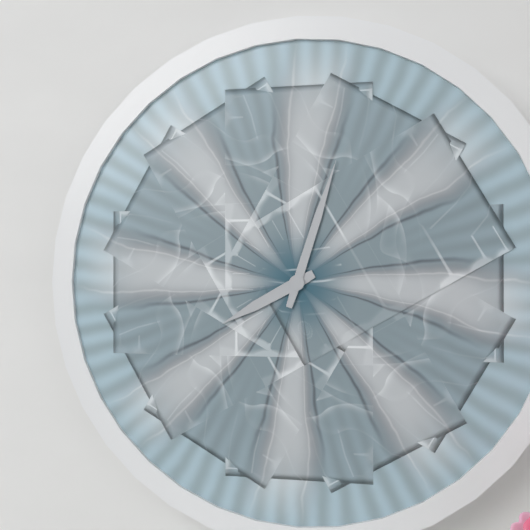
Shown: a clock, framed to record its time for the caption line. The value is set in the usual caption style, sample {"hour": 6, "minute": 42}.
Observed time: {"hour": 8, "minute": 3}
